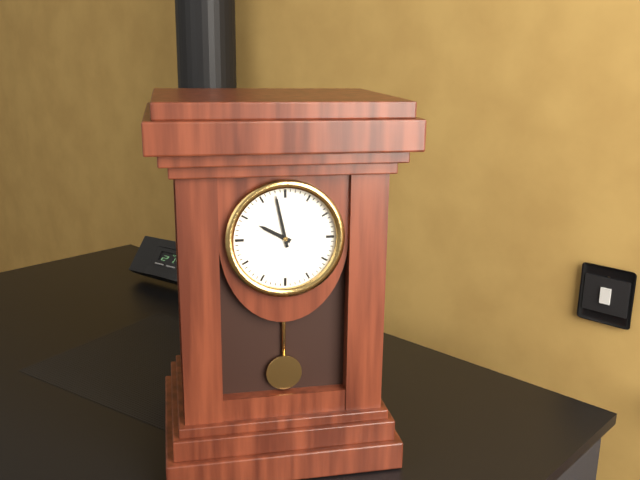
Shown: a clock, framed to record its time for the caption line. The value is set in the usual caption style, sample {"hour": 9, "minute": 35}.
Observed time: {"hour": 9, "minute": 58}
